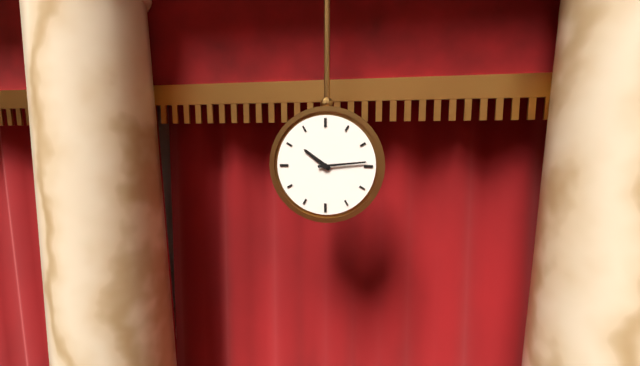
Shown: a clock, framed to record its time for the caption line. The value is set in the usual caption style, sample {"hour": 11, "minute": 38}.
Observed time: {"hour": 10, "minute": 14}
